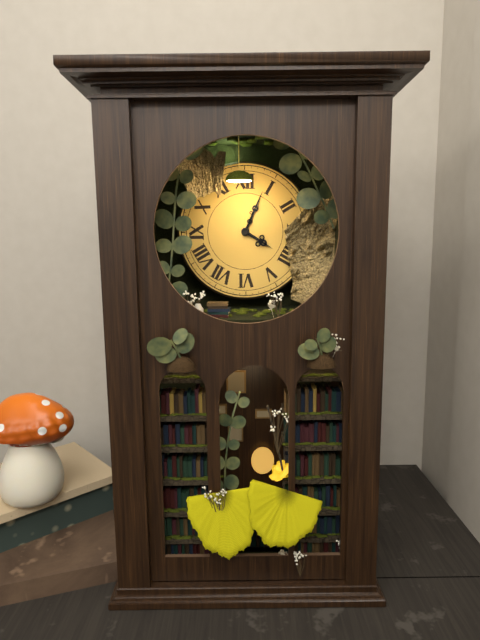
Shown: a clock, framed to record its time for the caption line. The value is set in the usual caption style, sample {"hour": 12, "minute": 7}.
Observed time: {"hour": 4, "minute": 4}
